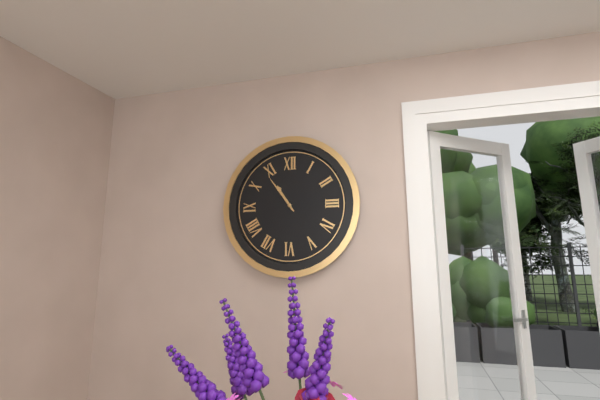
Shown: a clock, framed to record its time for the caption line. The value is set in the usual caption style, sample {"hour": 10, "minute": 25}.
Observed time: {"hour": 10, "minute": 54}
